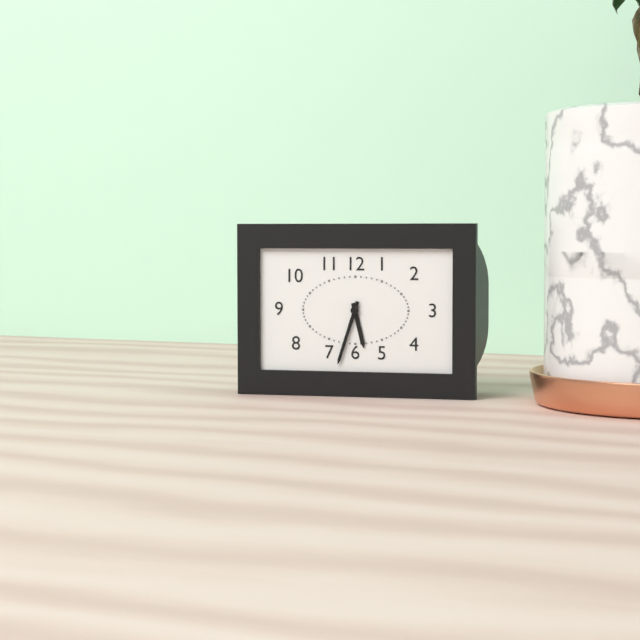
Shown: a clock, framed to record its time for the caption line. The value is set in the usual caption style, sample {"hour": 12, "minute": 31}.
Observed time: {"hour": 5, "minute": 33}
